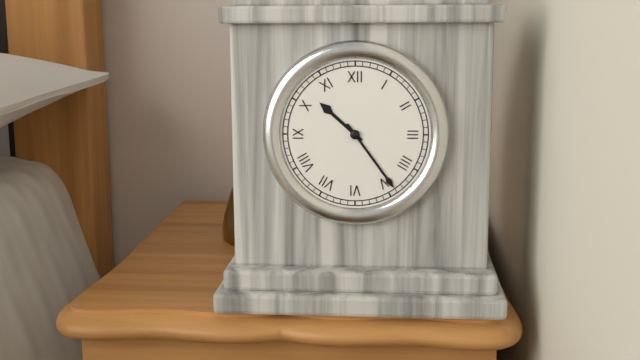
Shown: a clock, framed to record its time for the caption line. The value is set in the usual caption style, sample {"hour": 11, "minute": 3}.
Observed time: {"hour": 10, "minute": 24}
